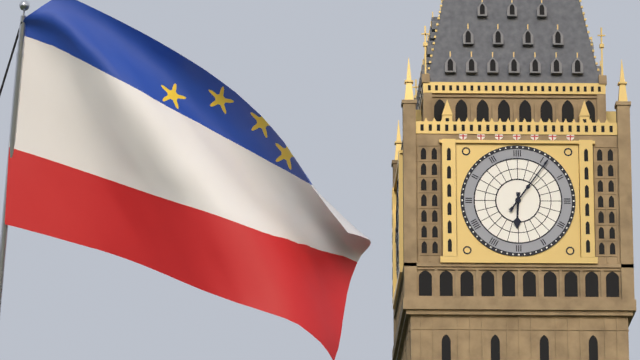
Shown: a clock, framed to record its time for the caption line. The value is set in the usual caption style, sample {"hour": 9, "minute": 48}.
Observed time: {"hour": 6, "minute": 6}
